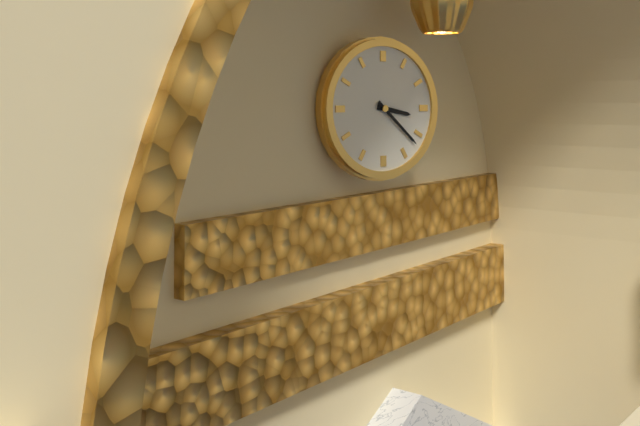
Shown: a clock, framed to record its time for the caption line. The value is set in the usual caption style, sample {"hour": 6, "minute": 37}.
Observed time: {"hour": 3, "minute": 22}
